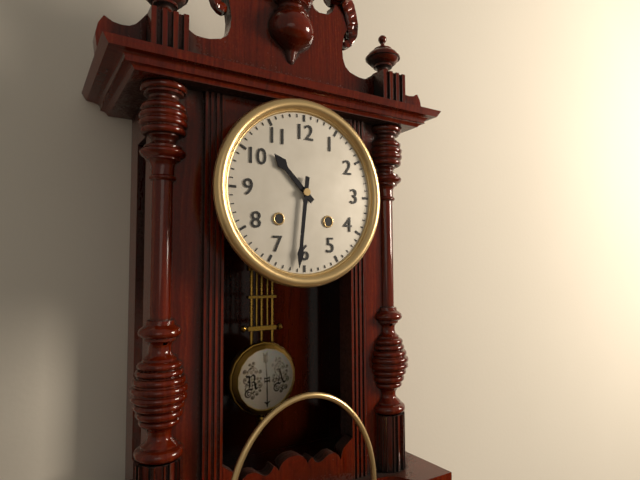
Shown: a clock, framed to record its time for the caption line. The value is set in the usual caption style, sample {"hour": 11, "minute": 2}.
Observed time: {"hour": 10, "minute": 31}
